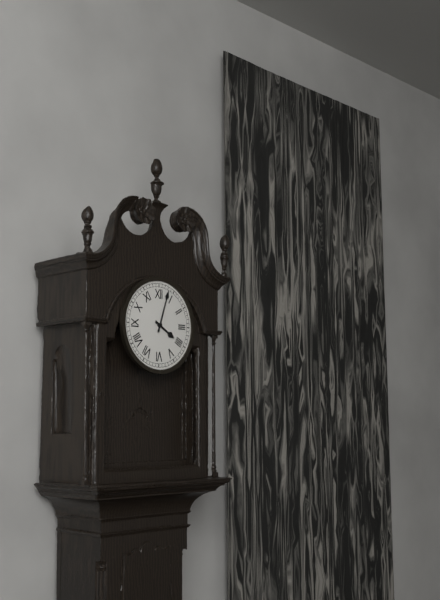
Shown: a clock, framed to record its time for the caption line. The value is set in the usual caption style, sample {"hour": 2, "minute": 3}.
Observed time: {"hour": 4, "minute": 3}
